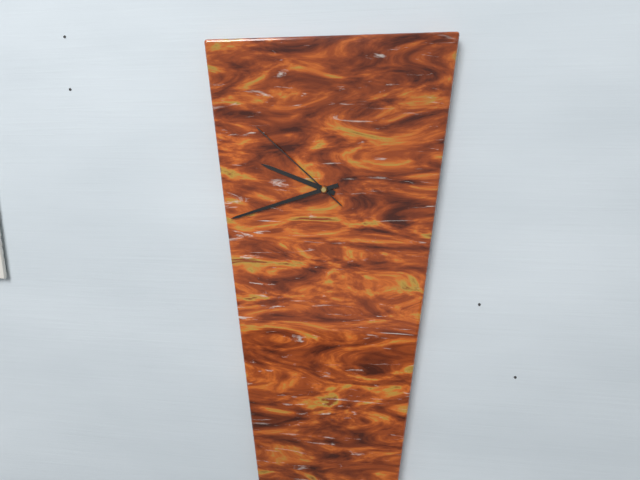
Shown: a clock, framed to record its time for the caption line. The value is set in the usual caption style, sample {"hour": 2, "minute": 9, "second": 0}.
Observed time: {"hour": 9, "minute": 42, "second": 52}
